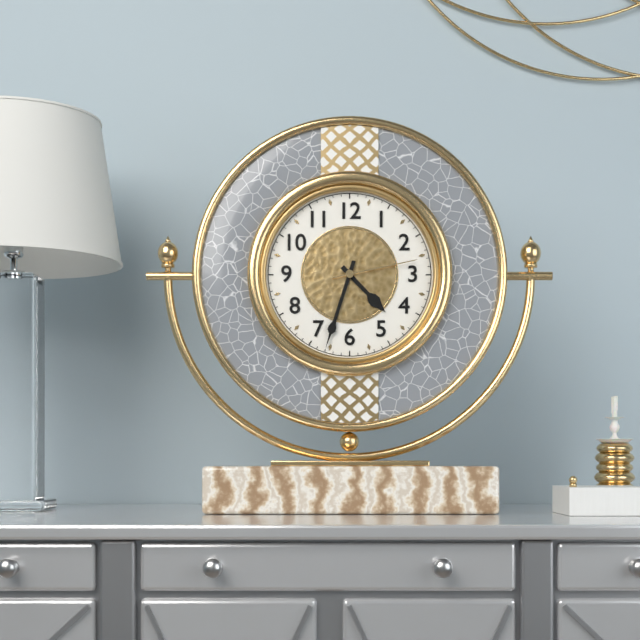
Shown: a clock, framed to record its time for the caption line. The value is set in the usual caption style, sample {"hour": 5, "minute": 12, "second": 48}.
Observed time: {"hour": 4, "minute": 33, "second": 13}
